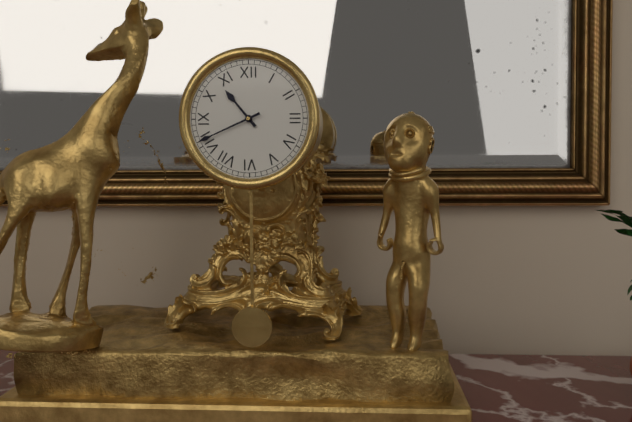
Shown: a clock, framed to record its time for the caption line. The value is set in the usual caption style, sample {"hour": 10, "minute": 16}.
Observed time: {"hour": 10, "minute": 41}
